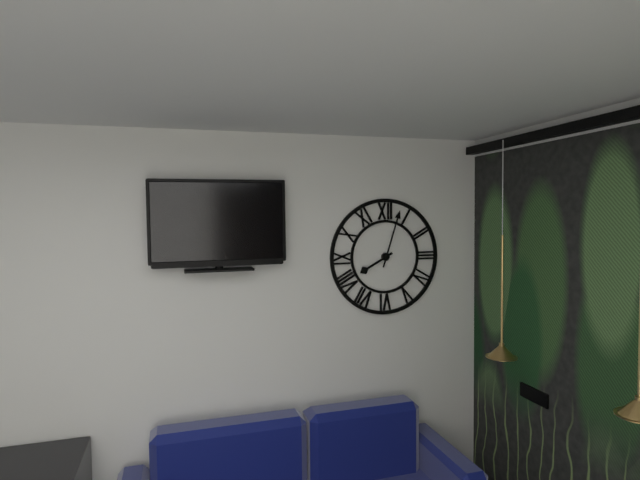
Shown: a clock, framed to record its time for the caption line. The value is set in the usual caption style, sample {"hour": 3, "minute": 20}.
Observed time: {"hour": 8, "minute": 3}
